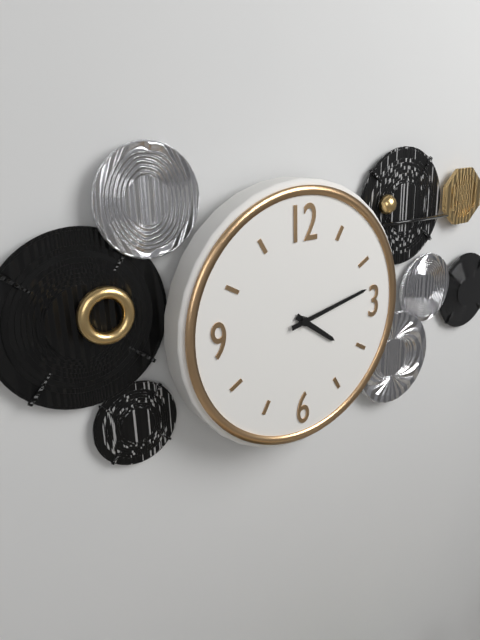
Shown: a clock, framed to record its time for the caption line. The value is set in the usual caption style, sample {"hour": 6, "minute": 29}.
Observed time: {"hour": 4, "minute": 13}
